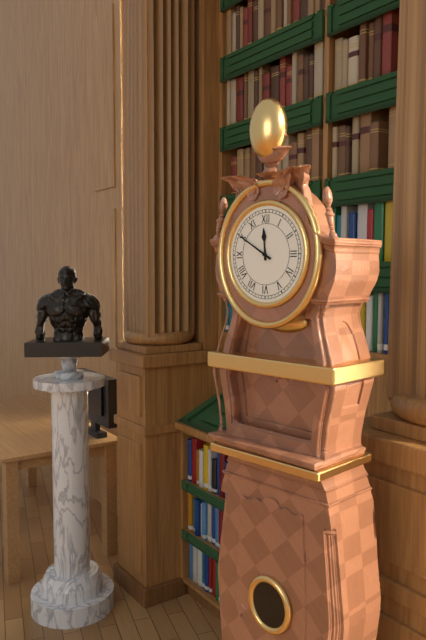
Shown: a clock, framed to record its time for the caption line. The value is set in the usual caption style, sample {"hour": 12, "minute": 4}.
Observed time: {"hour": 11, "minute": 50}
